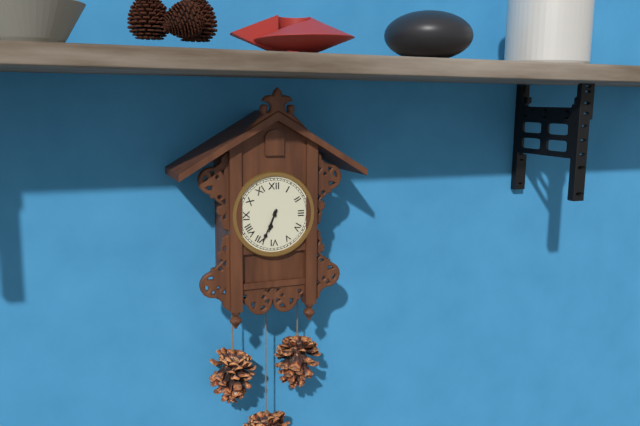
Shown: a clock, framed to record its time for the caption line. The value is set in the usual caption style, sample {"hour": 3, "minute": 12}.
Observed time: {"hour": 6, "minute": 34}
